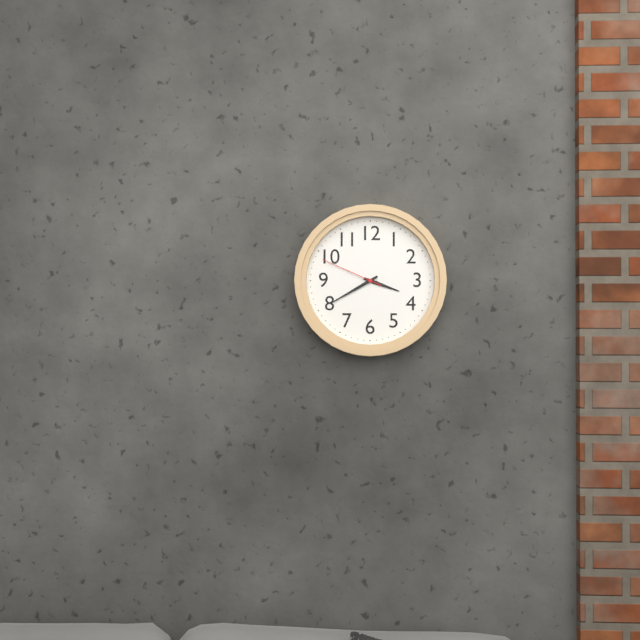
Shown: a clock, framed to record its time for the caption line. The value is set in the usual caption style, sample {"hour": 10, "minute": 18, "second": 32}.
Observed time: {"hour": 3, "minute": 40, "second": 49}
